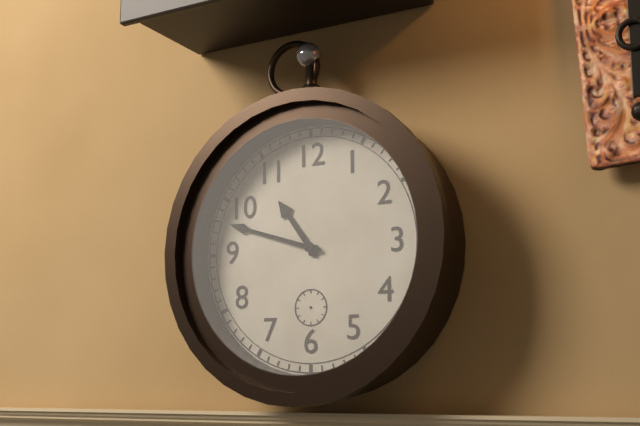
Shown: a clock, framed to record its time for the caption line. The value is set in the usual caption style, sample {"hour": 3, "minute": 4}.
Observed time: {"hour": 10, "minute": 48}
